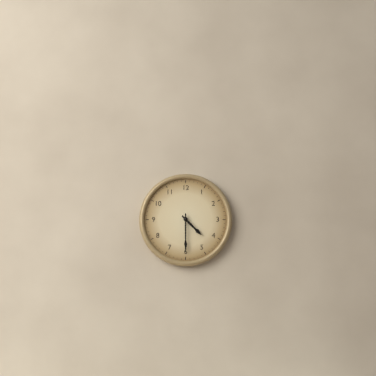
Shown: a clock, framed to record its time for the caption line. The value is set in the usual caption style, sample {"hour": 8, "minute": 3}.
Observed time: {"hour": 4, "minute": 30}
